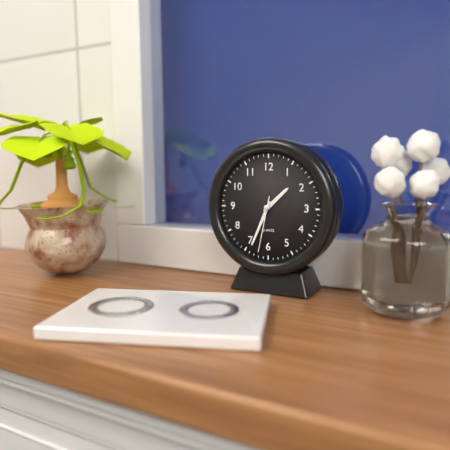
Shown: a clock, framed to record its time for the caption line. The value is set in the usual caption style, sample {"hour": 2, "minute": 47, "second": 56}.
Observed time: {"hour": 1, "minute": 34, "second": 32}
